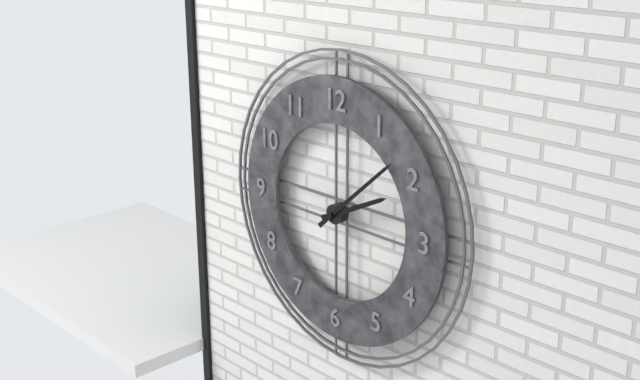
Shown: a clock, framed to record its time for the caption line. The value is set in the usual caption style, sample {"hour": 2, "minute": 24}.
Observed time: {"hour": 2, "minute": 8}
